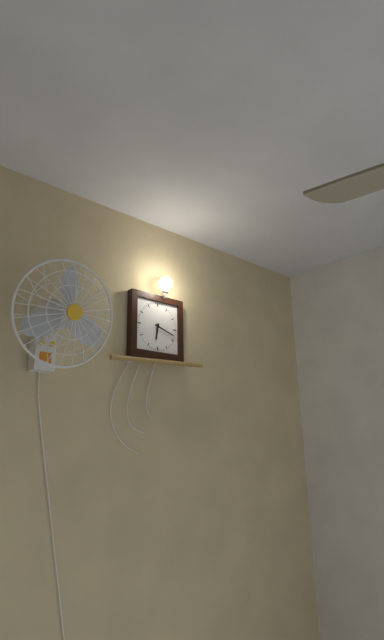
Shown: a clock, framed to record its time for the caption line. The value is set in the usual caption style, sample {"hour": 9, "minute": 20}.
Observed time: {"hour": 6, "minute": 18}
